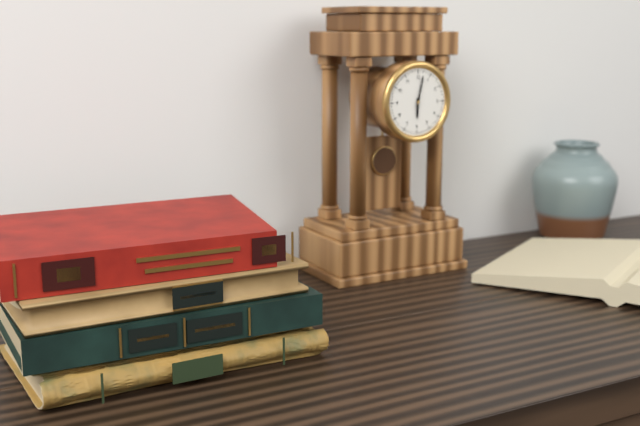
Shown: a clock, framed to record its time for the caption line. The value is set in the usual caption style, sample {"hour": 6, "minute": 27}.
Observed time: {"hour": 6, "minute": 2}
